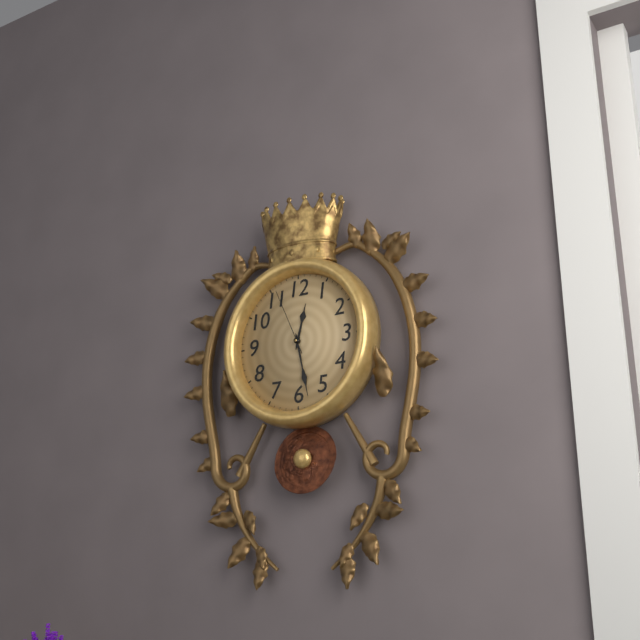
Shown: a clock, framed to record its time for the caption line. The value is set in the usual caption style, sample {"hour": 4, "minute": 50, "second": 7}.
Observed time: {"hour": 12, "minute": 28, "second": 56}
